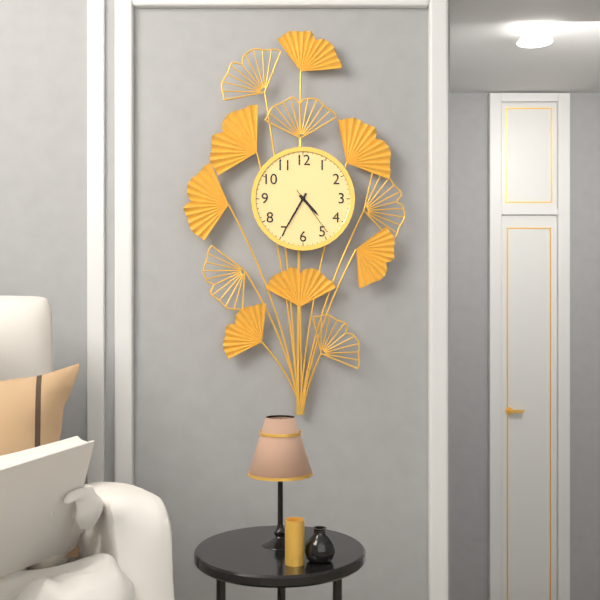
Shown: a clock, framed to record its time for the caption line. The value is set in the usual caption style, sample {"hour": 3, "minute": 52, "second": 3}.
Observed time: {"hour": 4, "minute": 35, "second": 24}
